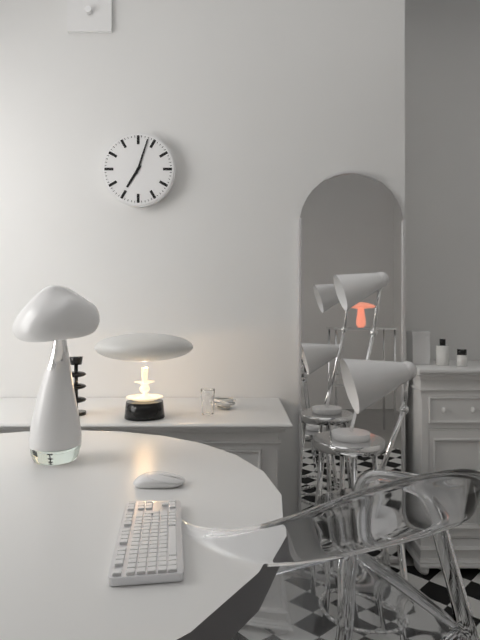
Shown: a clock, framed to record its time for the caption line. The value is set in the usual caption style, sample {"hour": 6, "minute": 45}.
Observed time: {"hour": 7, "minute": 3}
